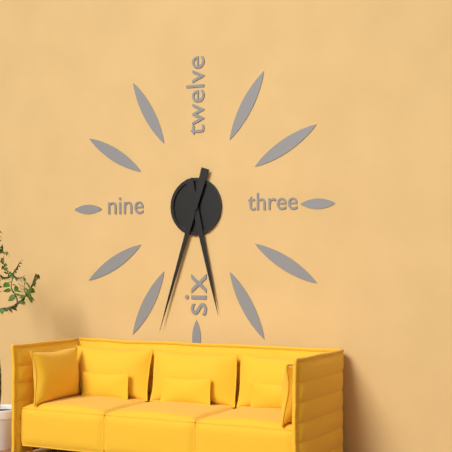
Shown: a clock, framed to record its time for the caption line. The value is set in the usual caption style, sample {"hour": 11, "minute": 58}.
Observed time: {"hour": 5, "minute": 33}
